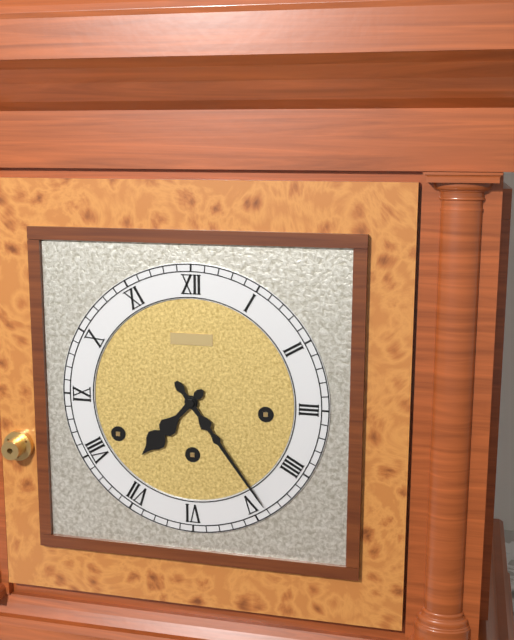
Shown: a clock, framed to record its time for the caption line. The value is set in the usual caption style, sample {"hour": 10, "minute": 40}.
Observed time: {"hour": 7, "minute": 24}
